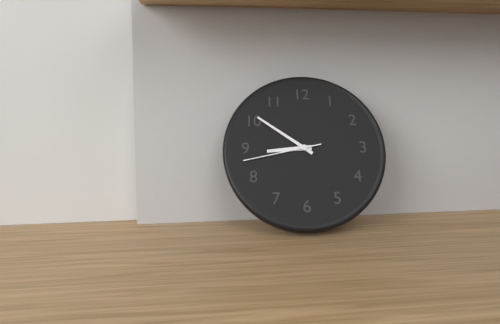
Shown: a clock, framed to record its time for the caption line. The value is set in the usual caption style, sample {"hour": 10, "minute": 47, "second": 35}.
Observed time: {"hour": 8, "minute": 51, "second": 43}
